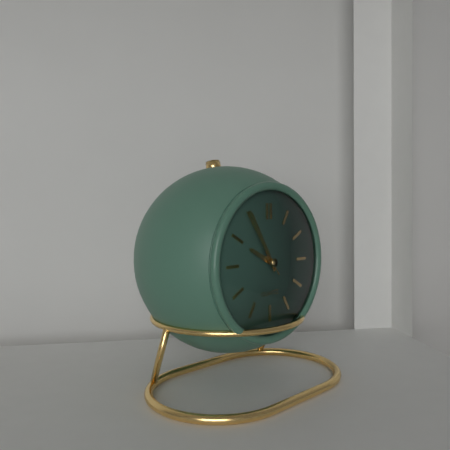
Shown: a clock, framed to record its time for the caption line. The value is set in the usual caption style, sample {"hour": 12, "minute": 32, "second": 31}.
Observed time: {"hour": 9, "minute": 55, "second": 54}
